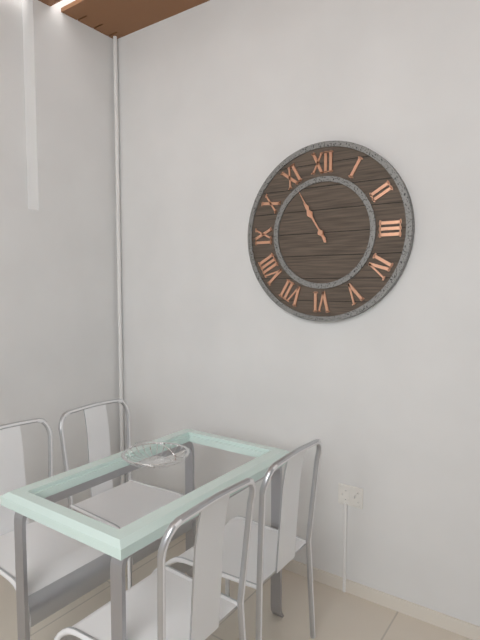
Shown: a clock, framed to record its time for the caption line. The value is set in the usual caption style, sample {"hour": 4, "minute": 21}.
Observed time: {"hour": 10, "minute": 55}
